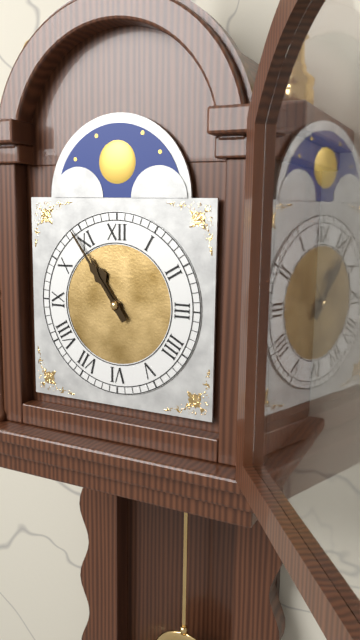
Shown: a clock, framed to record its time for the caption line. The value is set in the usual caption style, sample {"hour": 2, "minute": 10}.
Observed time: {"hour": 10, "minute": 54}
